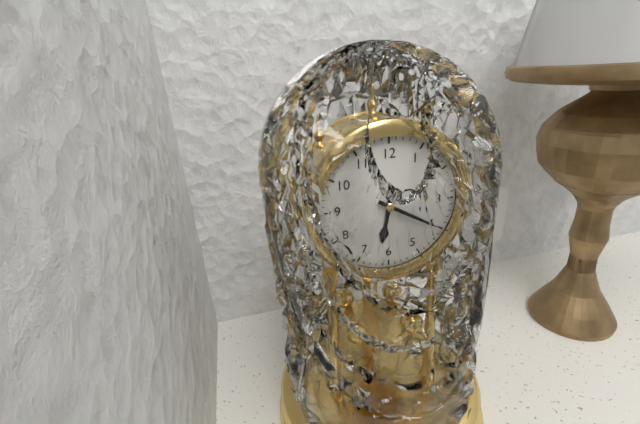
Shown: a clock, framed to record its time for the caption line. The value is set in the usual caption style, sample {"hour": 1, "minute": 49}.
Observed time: {"hour": 6, "minute": 20}
